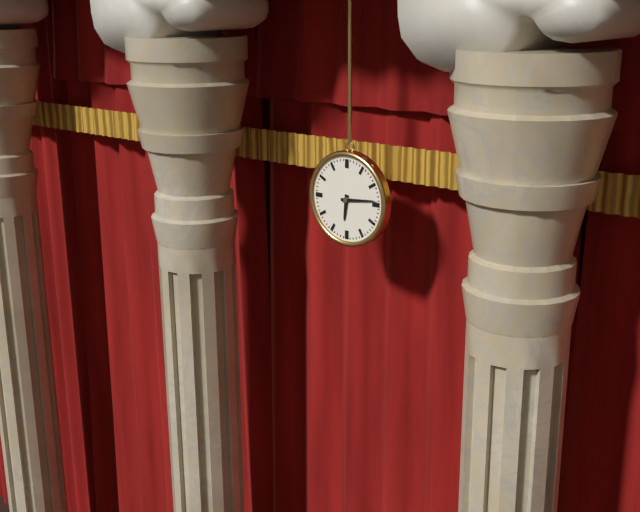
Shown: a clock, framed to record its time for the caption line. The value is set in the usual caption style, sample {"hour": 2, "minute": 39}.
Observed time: {"hour": 6, "minute": 14}
